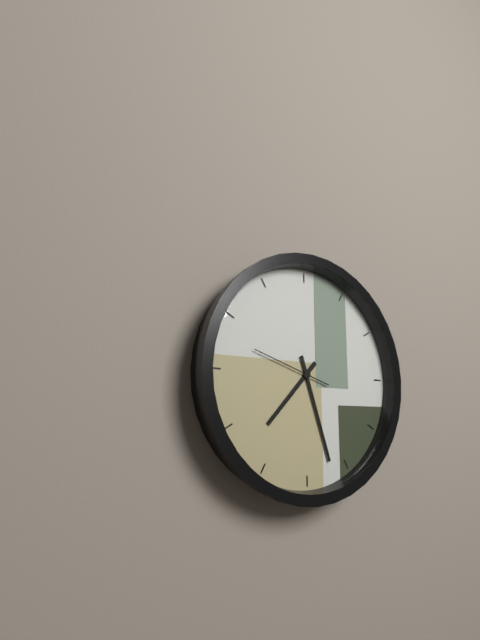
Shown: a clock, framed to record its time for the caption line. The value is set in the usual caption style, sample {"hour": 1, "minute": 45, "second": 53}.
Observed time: {"hour": 7, "minute": 27, "second": 48}
